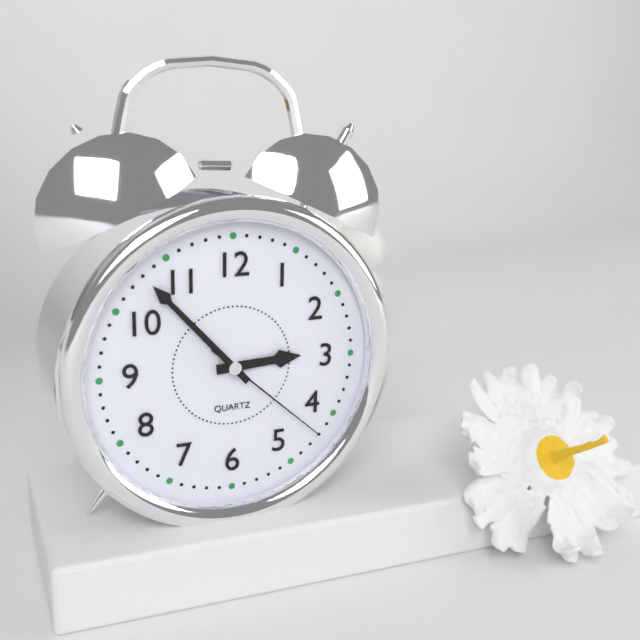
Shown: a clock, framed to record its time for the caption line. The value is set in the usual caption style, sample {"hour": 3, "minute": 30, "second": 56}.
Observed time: {"hour": 2, "minute": 53, "second": 22}
